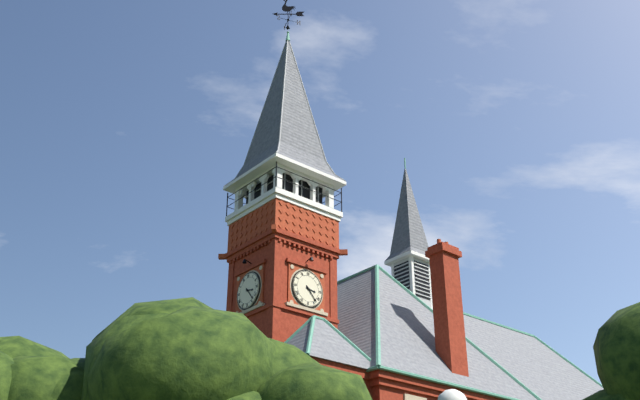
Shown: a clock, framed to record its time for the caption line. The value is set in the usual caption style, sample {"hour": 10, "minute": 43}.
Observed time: {"hour": 3, "minute": 23}
